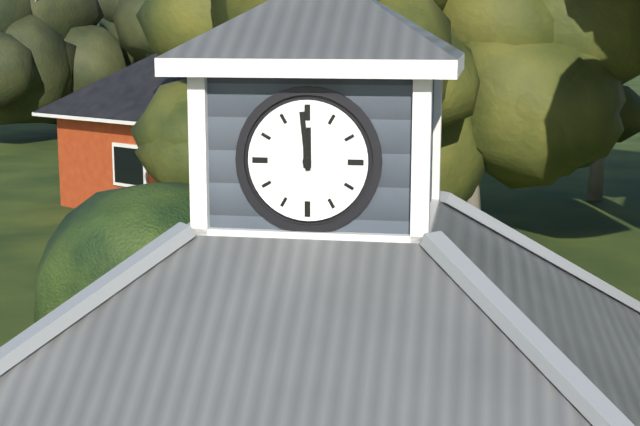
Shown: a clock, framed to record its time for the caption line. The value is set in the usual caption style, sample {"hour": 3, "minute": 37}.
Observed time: {"hour": 11, "minute": 59}
